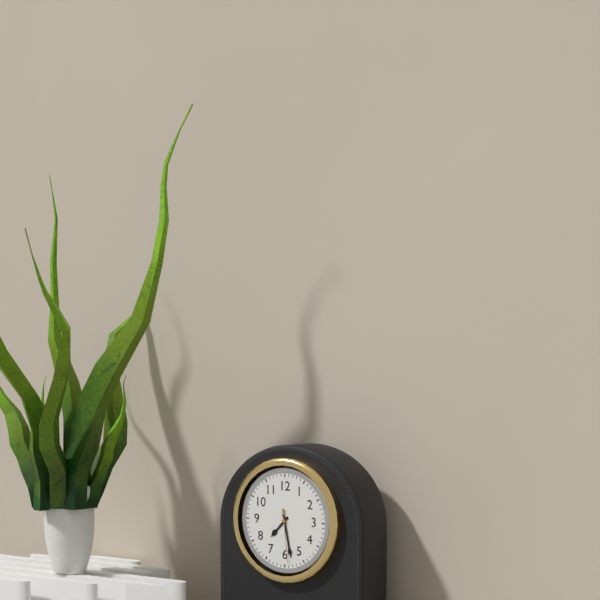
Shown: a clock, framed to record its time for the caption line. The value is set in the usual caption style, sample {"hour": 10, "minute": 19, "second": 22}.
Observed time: {"hour": 7, "minute": 28, "second": 29}
